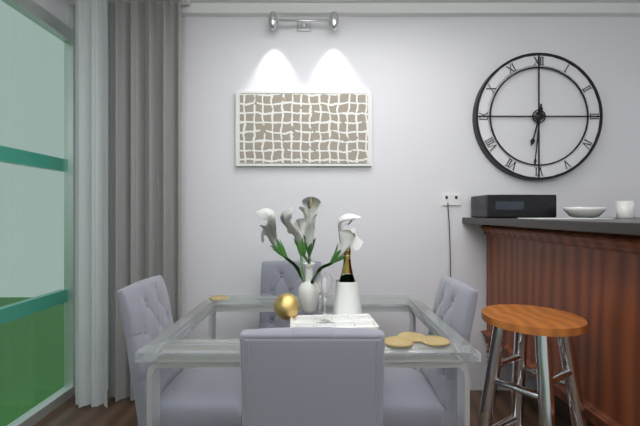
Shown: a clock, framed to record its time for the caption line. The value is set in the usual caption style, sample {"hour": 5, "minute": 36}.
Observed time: {"hour": 6, "minute": 31}
